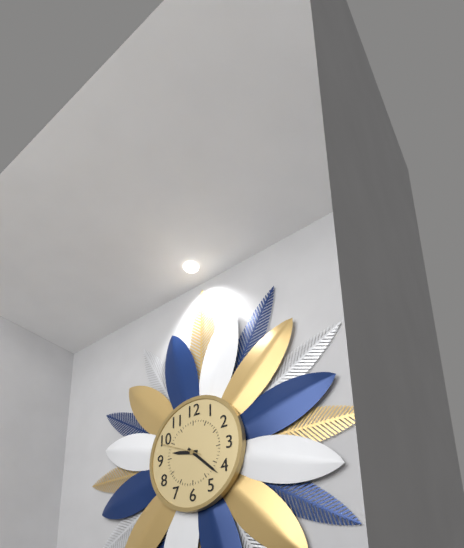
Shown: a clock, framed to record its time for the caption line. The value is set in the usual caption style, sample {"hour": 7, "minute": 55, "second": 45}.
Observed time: {"hour": 9, "minute": 22, "second": 49}
